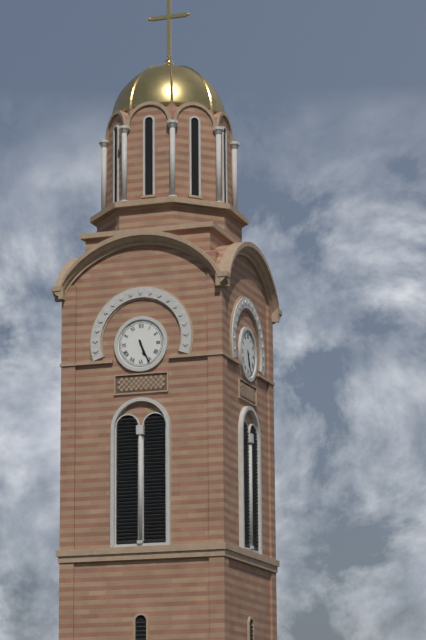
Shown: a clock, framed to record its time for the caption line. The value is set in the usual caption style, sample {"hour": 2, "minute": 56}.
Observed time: {"hour": 5, "minute": 26}
